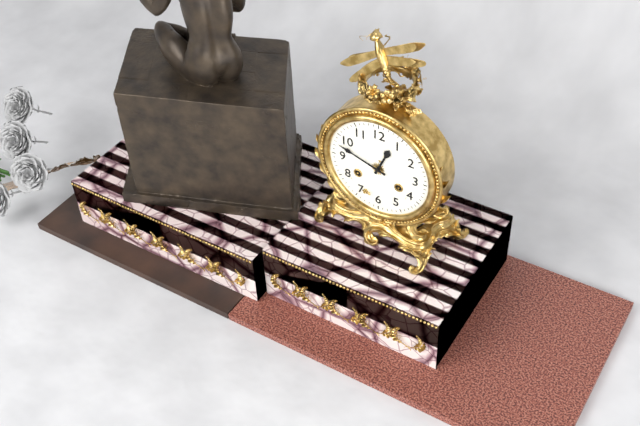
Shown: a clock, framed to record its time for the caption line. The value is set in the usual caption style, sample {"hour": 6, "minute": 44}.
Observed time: {"hour": 12, "minute": 48}
